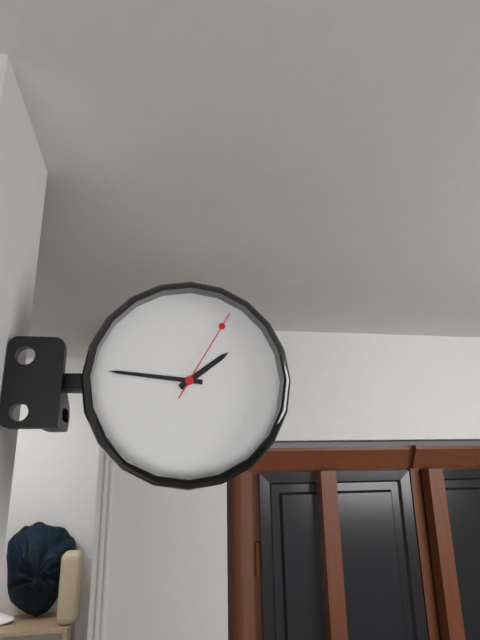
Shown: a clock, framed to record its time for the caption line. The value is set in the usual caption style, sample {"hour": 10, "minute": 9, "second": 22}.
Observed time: {"hour": 1, "minute": 46, "second": 5}
